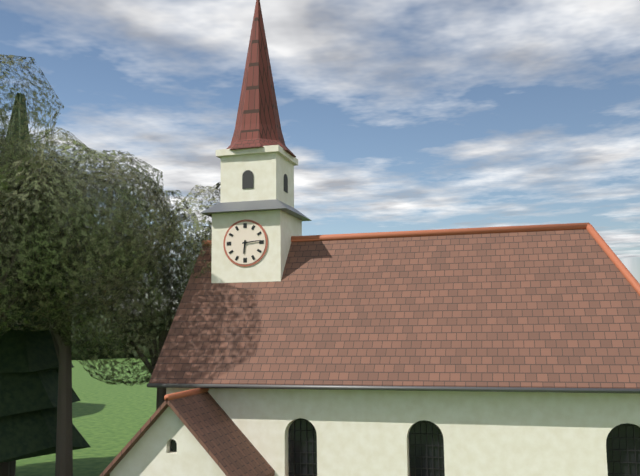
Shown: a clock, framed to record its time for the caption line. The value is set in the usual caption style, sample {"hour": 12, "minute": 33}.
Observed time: {"hour": 6, "minute": 14}
